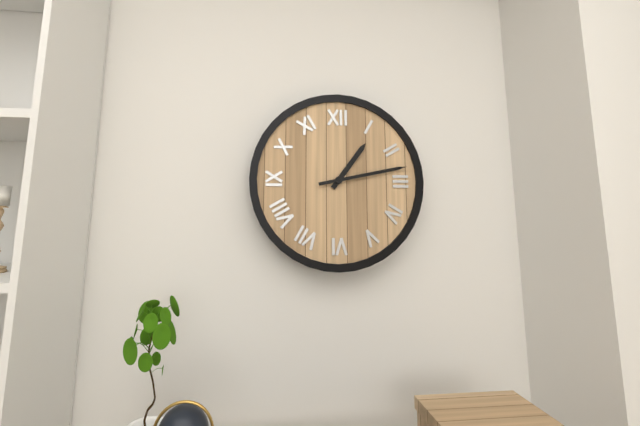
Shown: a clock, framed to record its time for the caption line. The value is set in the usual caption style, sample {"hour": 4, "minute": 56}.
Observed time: {"hour": 1, "minute": 13}
